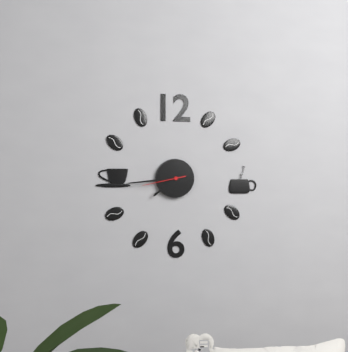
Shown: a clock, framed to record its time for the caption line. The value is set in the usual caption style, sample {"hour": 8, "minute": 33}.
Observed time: {"hour": 7, "minute": 44}
